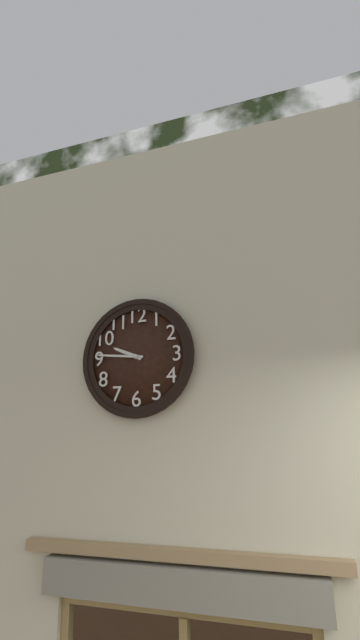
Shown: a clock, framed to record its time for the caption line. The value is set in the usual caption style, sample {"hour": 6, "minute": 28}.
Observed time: {"hour": 9, "minute": 46}
